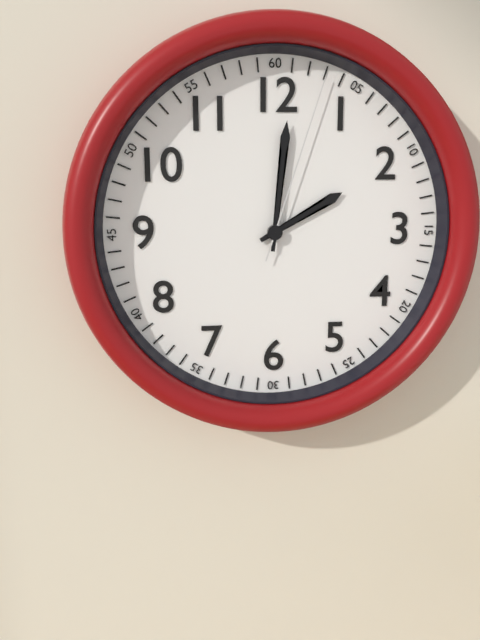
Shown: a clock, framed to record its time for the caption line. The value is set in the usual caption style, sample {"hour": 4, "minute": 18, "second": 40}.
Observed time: {"hour": 2, "minute": 1, "second": 3}
